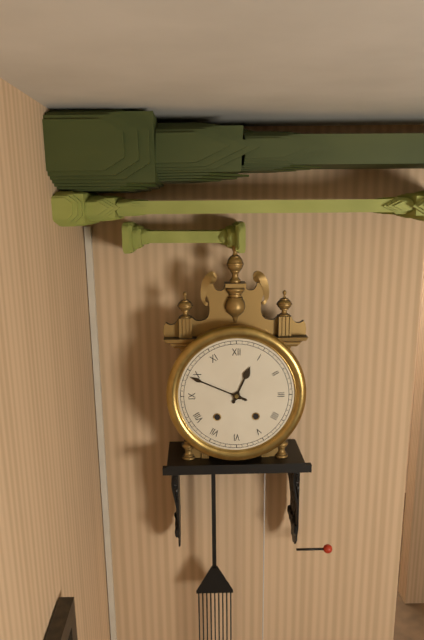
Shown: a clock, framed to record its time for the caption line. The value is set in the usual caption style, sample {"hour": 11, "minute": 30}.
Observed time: {"hour": 12, "minute": 49}
